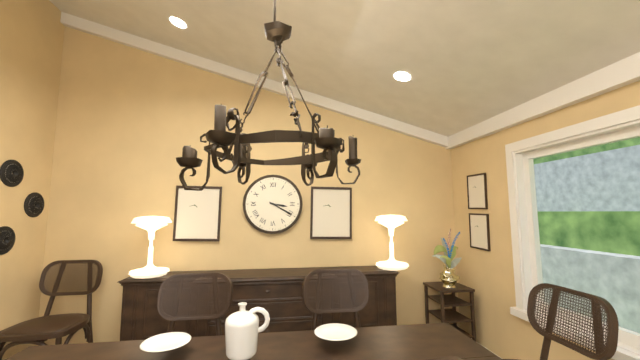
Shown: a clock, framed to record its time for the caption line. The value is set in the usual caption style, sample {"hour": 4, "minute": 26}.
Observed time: {"hour": 3, "minute": 20}
